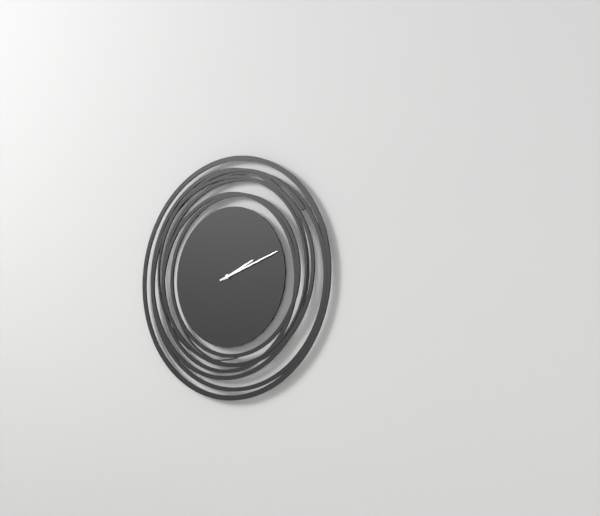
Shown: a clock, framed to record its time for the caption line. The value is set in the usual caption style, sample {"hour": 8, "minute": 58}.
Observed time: {"hour": 2, "minute": 12}
